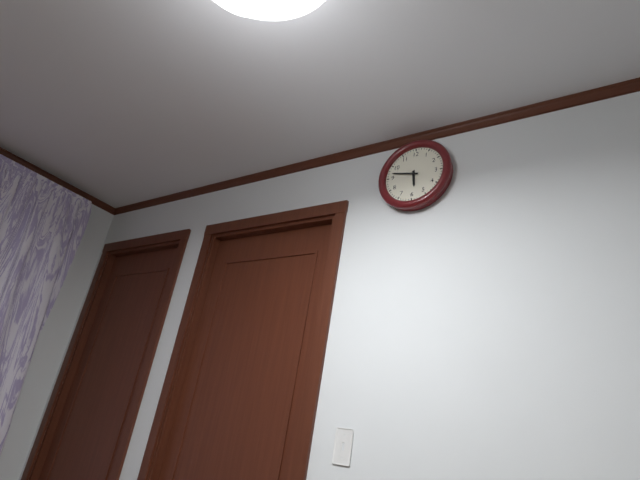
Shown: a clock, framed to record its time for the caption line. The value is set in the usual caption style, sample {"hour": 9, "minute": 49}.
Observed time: {"hour": 5, "minute": 47}
